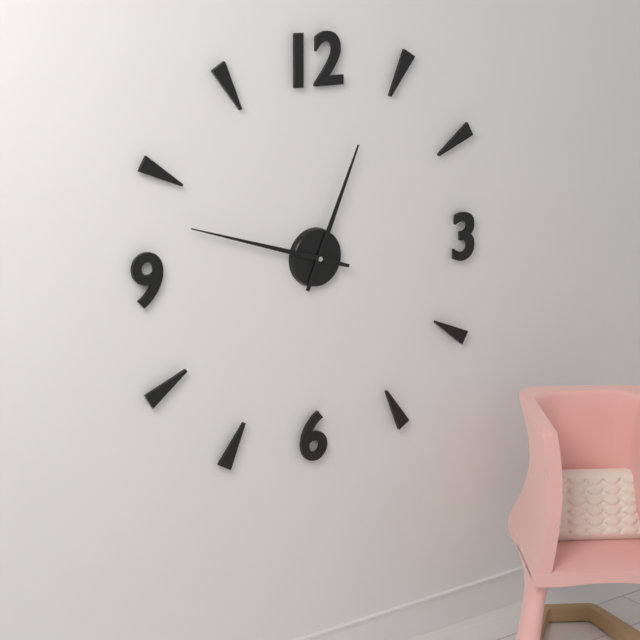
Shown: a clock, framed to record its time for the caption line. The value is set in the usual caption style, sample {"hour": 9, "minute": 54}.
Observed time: {"hour": 12, "minute": 48}
